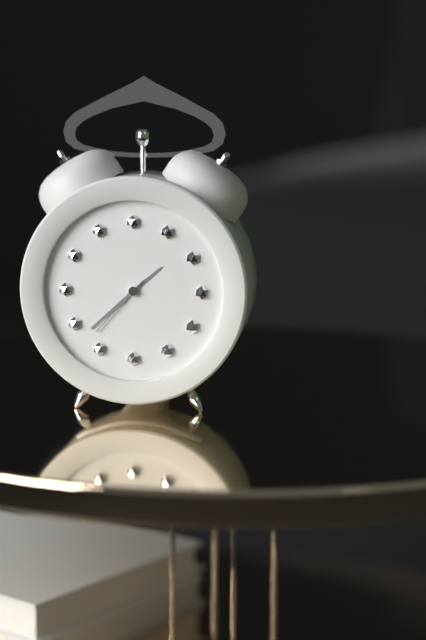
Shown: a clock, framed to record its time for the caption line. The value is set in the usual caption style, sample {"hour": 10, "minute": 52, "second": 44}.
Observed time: {"hour": 1, "minute": 38, "second": 37}
